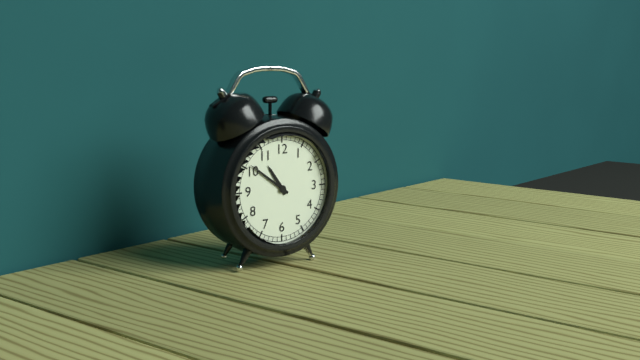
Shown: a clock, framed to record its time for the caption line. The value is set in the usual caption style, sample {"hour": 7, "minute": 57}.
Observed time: {"hour": 10, "minute": 51}
